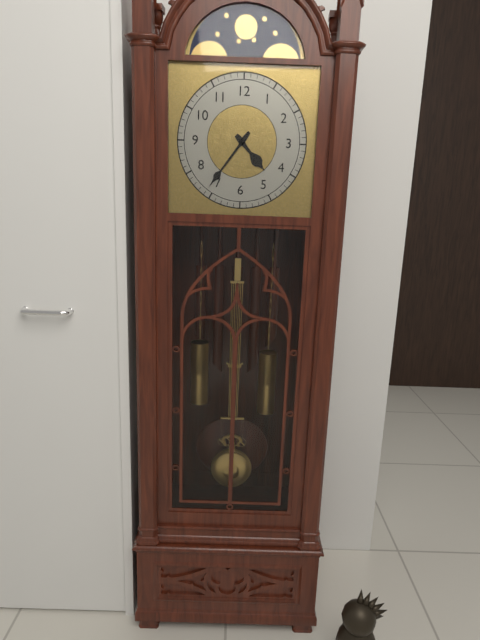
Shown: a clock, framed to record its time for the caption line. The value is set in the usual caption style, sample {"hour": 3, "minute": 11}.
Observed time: {"hour": 4, "minute": 36}
